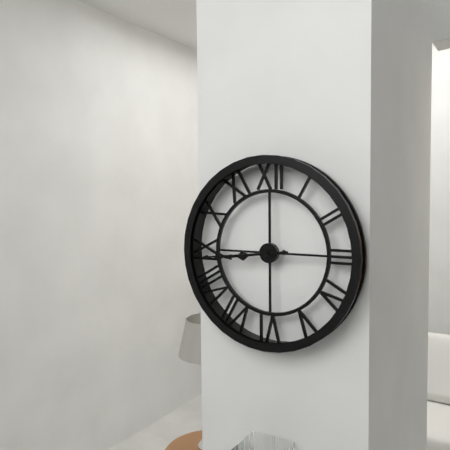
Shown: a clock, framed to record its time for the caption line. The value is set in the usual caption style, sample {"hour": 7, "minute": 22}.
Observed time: {"hour": 8, "minute": 44}
